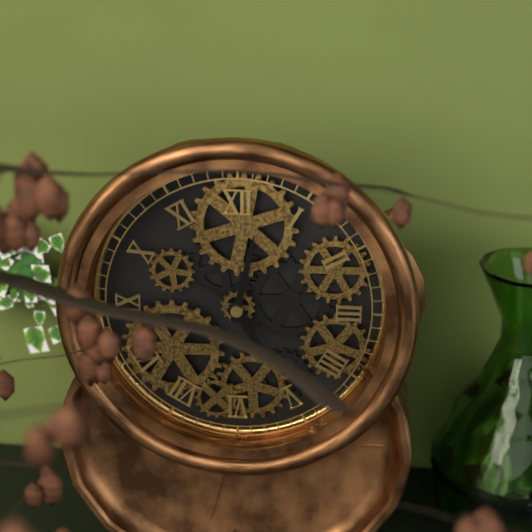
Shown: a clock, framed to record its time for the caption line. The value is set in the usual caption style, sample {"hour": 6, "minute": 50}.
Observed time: {"hour": 5, "minute": 2}
